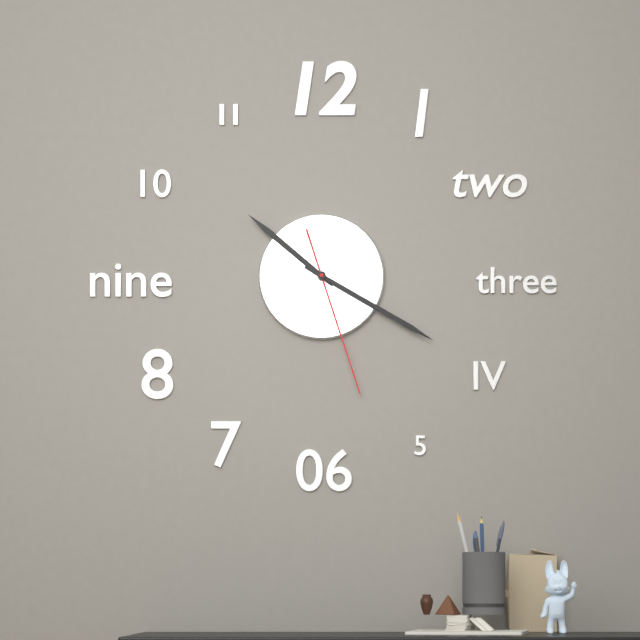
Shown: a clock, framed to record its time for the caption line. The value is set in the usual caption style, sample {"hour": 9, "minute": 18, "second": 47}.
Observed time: {"hour": 10, "minute": 20, "second": 27}
